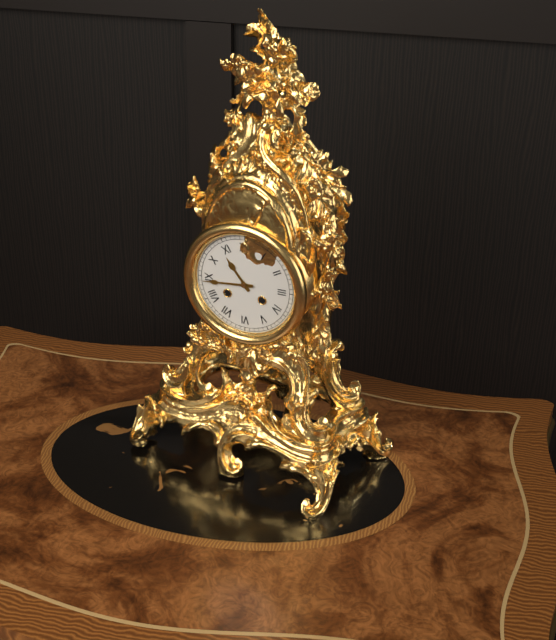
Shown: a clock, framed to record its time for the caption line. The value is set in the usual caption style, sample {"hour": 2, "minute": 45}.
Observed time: {"hour": 10, "minute": 44}
